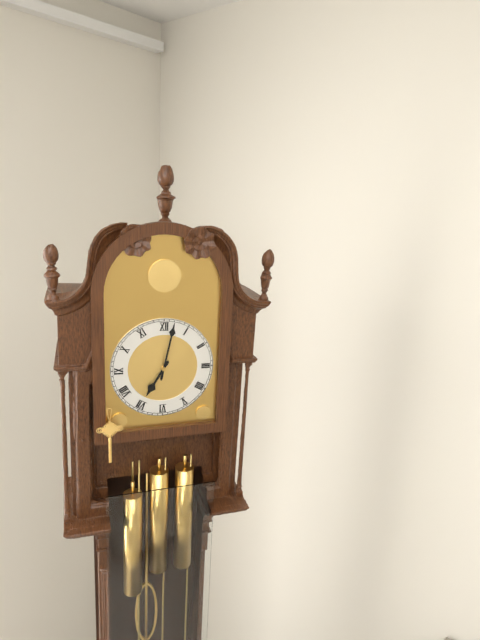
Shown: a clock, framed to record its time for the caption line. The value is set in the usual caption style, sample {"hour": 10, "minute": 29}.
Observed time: {"hour": 7, "minute": 2}
